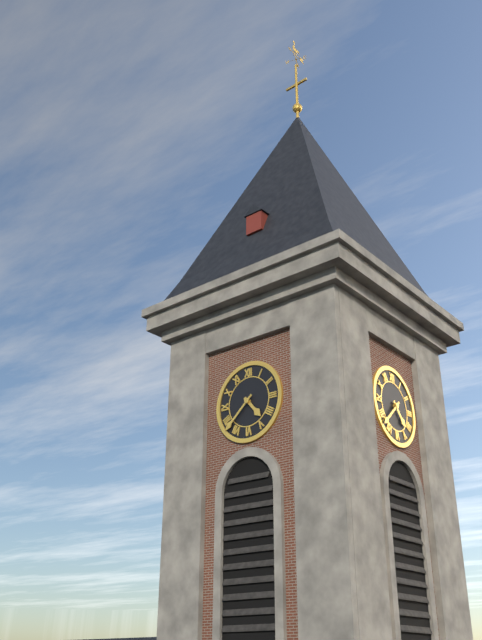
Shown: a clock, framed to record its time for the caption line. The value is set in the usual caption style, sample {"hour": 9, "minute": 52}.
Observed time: {"hour": 4, "minute": 38}
